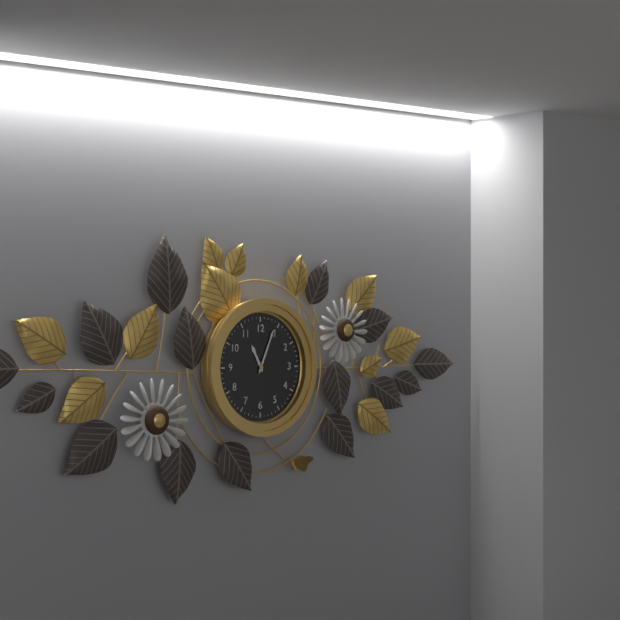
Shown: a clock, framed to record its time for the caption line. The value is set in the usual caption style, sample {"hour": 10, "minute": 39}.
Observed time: {"hour": 11, "minute": 4}
